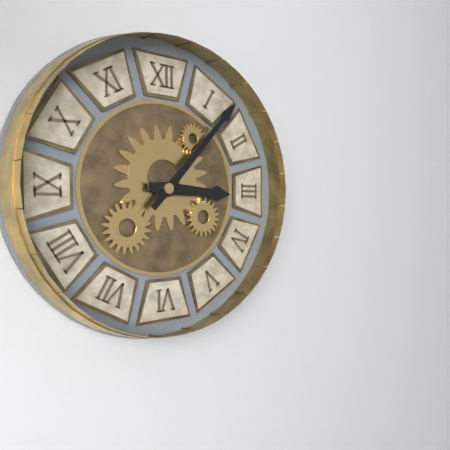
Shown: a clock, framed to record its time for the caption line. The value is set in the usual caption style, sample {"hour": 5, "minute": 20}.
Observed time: {"hour": 3, "minute": 7}
